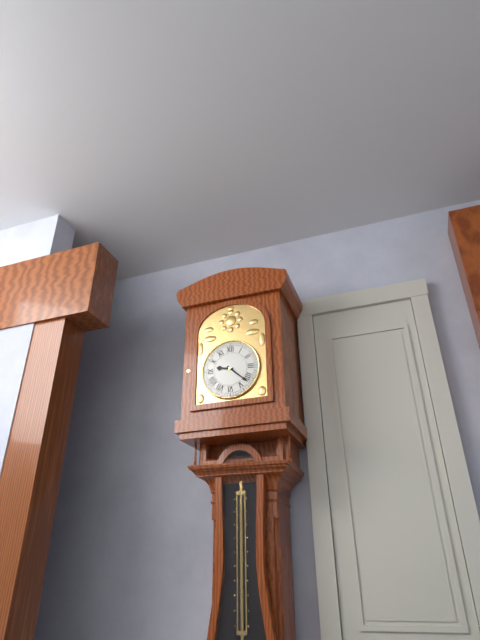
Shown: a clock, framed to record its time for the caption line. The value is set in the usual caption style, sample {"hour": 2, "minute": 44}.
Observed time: {"hour": 9, "minute": 22}
